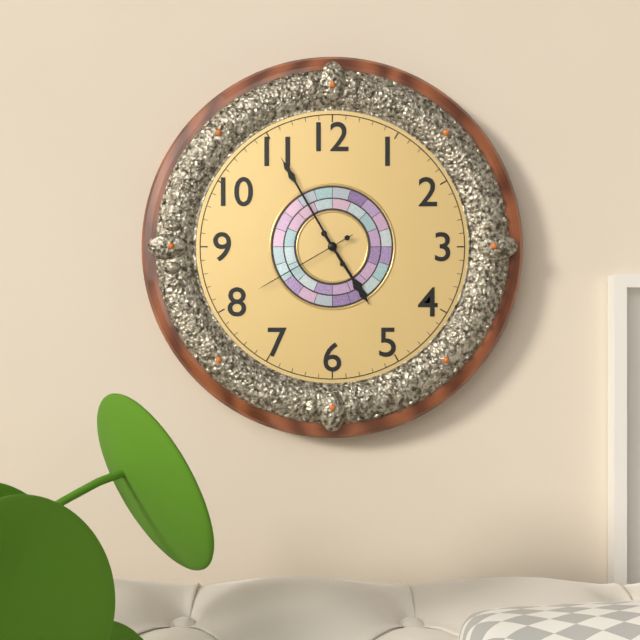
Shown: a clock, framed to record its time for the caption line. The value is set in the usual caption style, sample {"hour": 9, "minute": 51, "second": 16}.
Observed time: {"hour": 4, "minute": 55, "second": 40}
